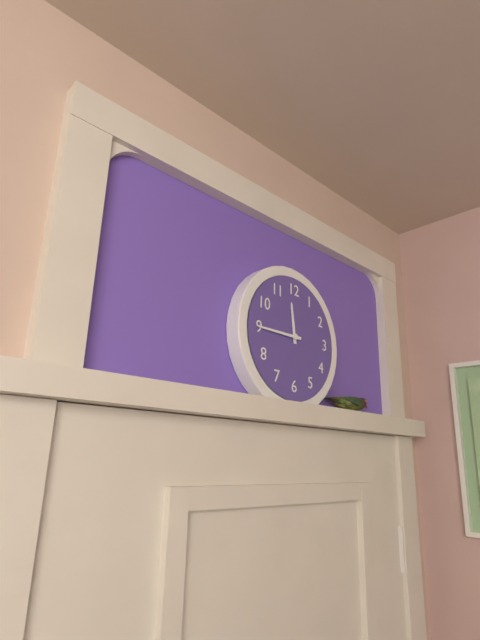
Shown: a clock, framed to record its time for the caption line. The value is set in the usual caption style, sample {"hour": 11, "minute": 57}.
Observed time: {"hour": 11, "minute": 45}
